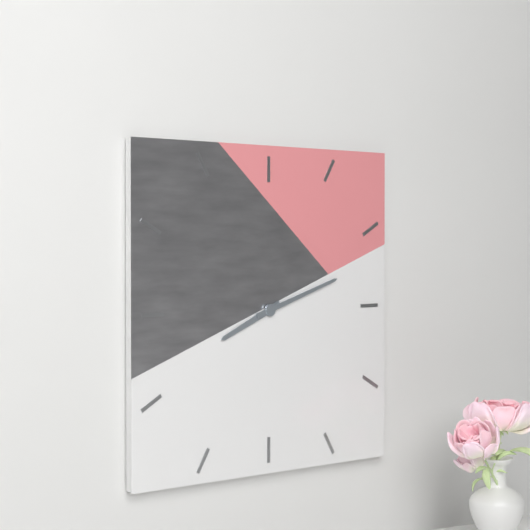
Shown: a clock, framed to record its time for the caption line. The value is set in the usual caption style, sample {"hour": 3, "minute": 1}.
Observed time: {"hour": 8, "minute": 12}
